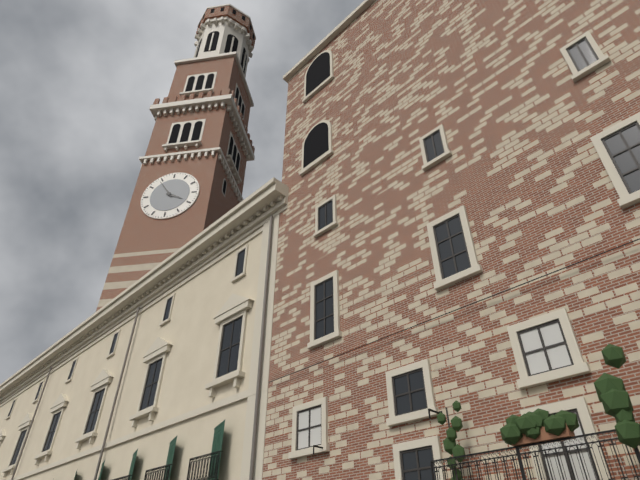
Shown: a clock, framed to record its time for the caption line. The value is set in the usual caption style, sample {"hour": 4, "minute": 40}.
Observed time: {"hour": 3, "minute": 54}
